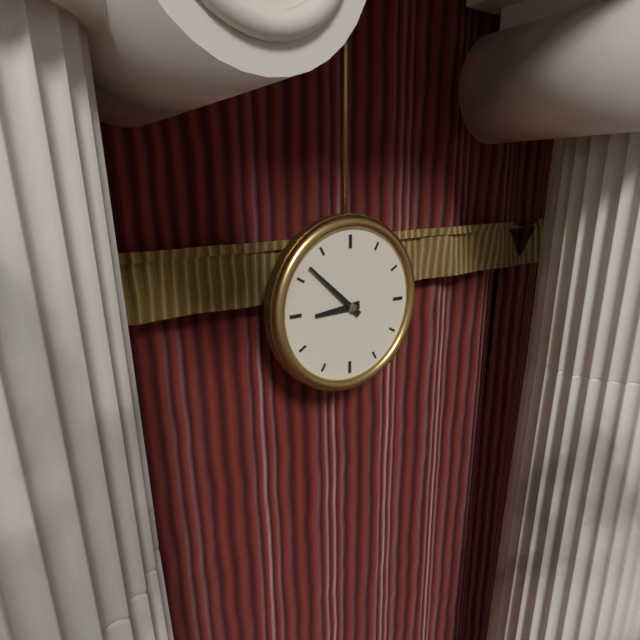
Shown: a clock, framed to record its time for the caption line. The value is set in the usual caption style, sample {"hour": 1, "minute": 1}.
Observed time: {"hour": 8, "minute": 52}
